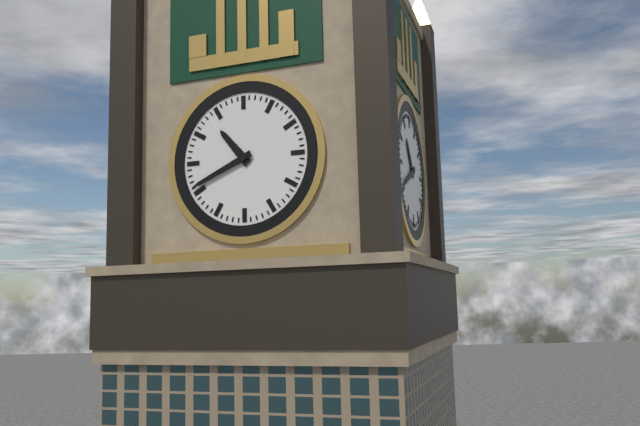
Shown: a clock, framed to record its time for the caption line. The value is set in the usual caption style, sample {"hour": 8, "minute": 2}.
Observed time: {"hour": 10, "minute": 41}
